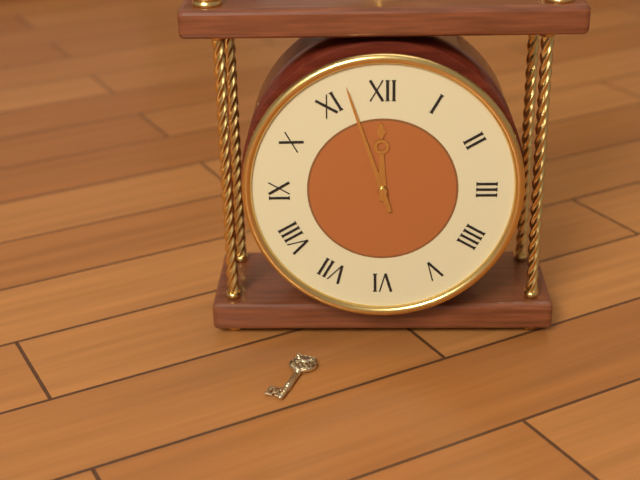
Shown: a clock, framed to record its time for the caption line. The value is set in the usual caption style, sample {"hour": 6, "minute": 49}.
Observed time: {"hour": 11, "minute": 57}
